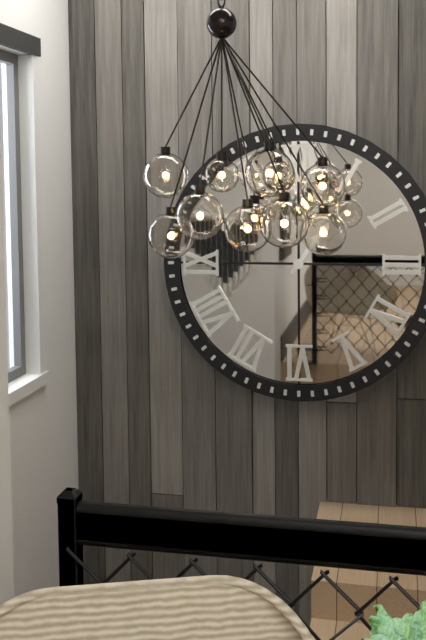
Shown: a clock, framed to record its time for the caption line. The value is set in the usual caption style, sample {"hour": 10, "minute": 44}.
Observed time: {"hour": 1, "minute": 6}
